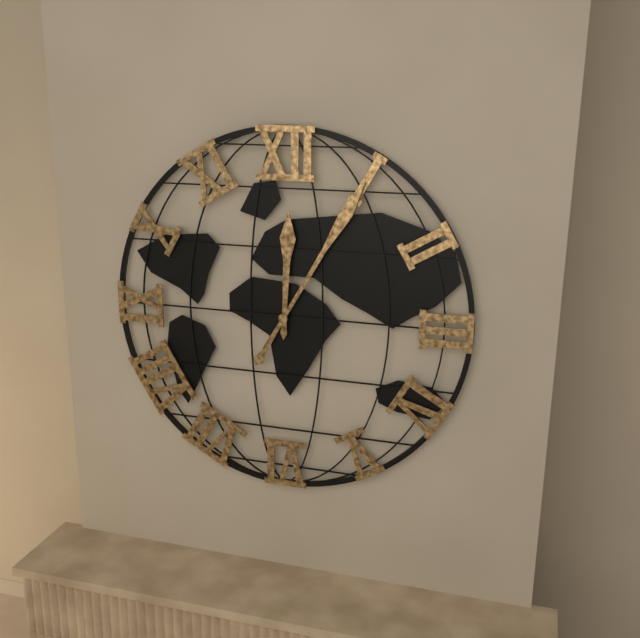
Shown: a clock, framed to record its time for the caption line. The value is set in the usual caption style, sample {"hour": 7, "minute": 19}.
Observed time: {"hour": 12, "minute": 5}
